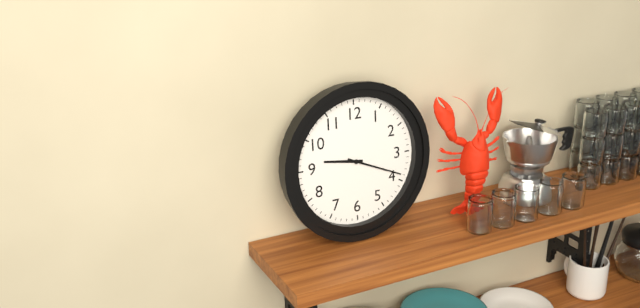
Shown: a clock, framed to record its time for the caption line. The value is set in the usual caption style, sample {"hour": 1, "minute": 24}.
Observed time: {"hour": 9, "minute": 19}
